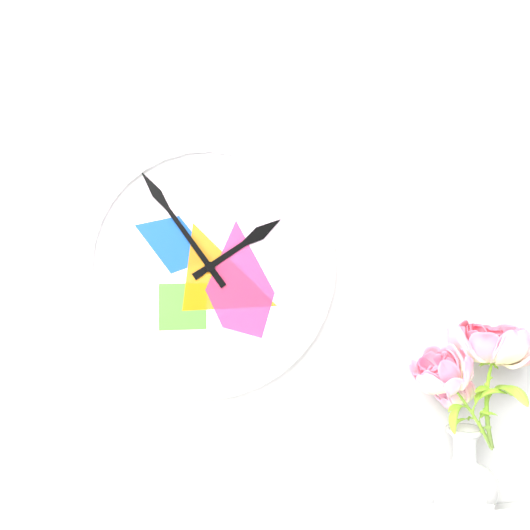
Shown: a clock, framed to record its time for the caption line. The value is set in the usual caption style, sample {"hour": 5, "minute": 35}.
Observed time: {"hour": 1, "minute": 54}
